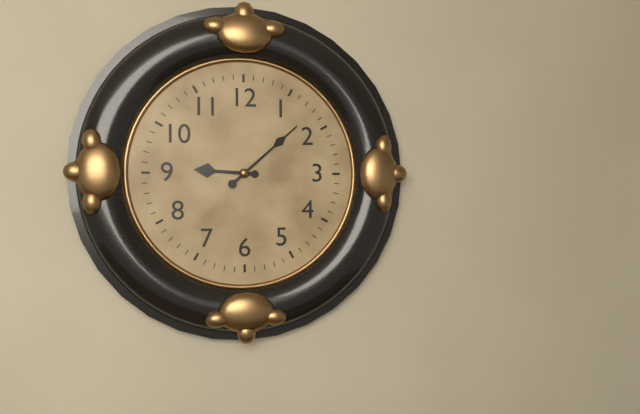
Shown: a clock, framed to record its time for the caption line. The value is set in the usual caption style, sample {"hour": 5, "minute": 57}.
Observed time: {"hour": 9, "minute": 8}
